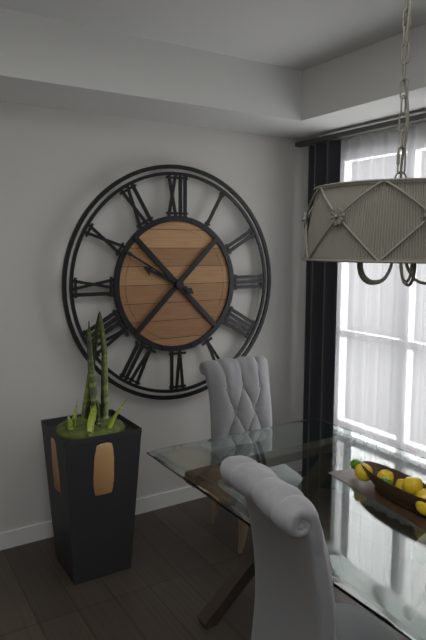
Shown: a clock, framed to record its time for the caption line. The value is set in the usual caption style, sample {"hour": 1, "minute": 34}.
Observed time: {"hour": 9, "minute": 50}
